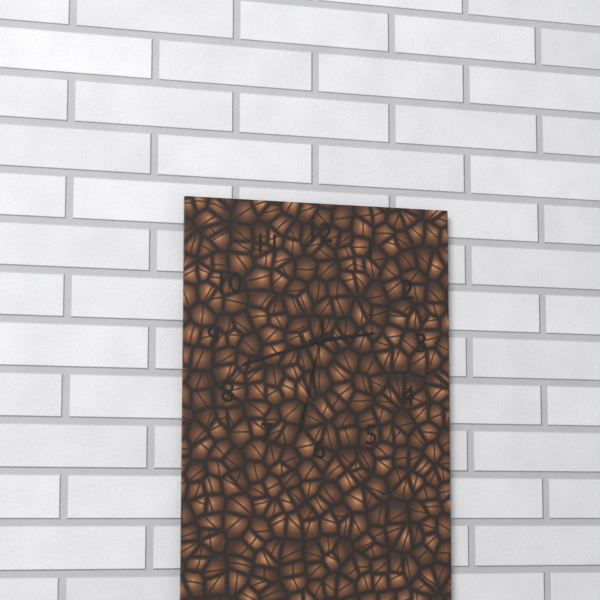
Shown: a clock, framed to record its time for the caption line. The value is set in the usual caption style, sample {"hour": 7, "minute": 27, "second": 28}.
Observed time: {"hour": 2, "minute": 42, "second": 32}
